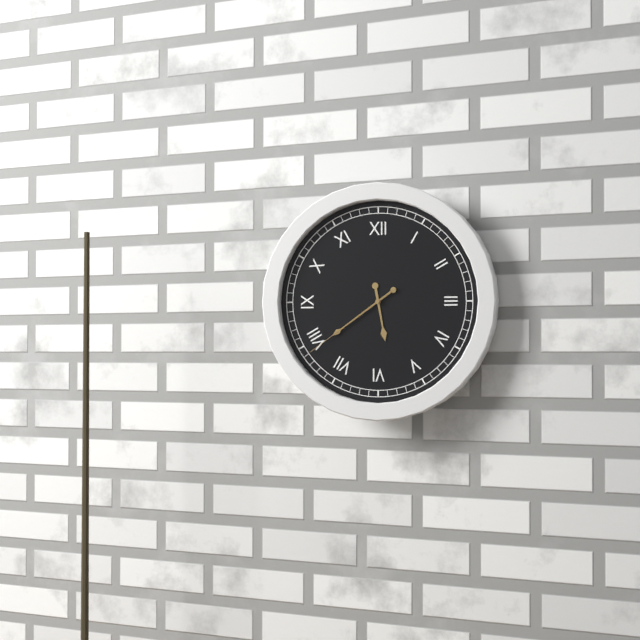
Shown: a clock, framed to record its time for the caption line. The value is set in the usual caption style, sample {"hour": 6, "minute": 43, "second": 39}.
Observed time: {"hour": 5, "minute": 39, "second": 39}
